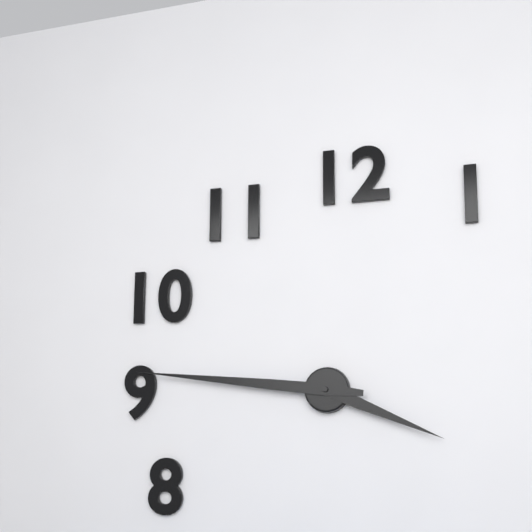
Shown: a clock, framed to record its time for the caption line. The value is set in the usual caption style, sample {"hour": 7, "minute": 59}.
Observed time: {"hour": 3, "minute": 46}
